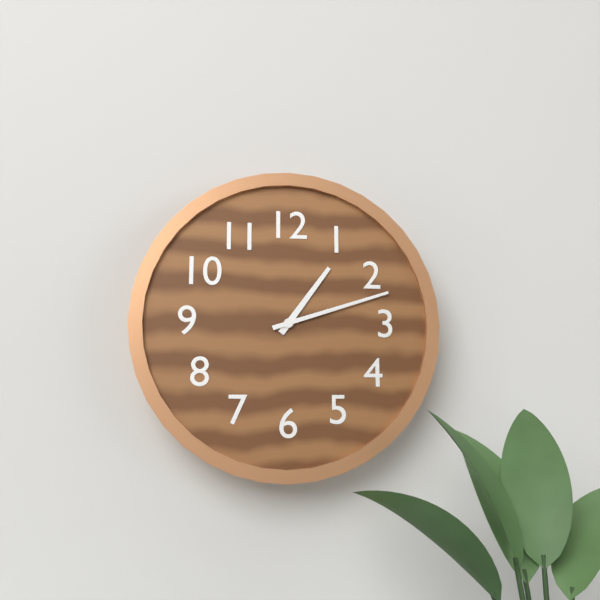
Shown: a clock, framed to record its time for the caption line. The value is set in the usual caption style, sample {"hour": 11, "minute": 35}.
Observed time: {"hour": 1, "minute": 12}
